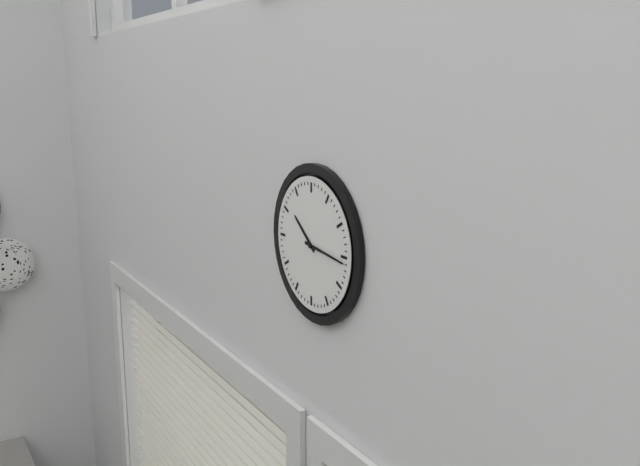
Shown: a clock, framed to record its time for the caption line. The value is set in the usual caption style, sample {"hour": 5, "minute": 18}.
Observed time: {"hour": 10, "minute": 16}
